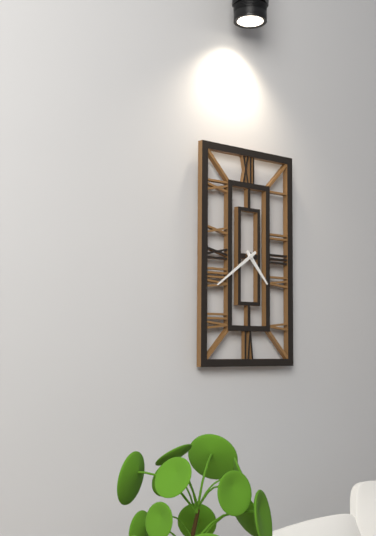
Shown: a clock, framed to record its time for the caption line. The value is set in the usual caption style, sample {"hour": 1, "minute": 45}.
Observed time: {"hour": 4, "minute": 39}
